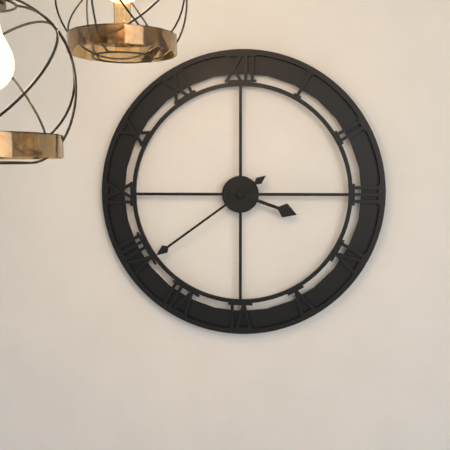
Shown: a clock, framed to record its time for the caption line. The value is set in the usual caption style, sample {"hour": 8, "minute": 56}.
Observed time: {"hour": 3, "minute": 39}
